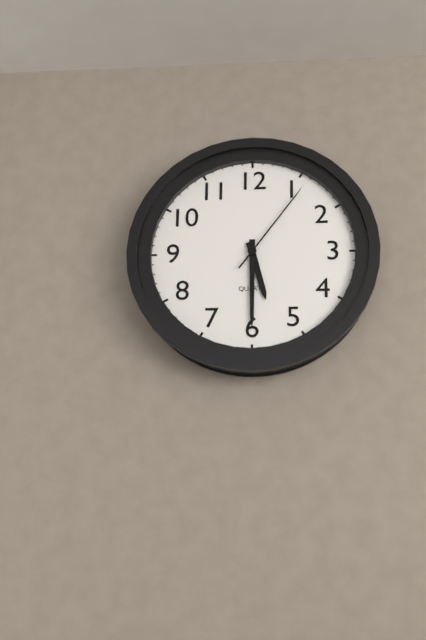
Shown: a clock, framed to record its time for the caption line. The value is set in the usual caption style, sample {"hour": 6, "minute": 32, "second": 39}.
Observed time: {"hour": 5, "minute": 30, "second": 6}
